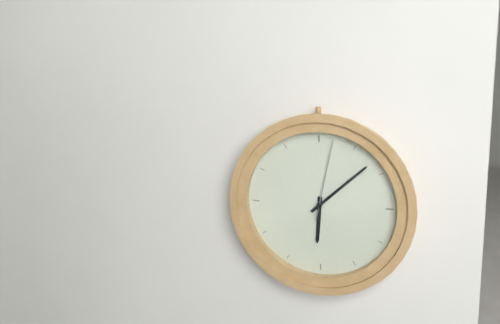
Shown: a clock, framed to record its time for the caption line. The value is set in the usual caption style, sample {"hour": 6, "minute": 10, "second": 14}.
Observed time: {"hour": 6, "minute": 8, "second": 2}
